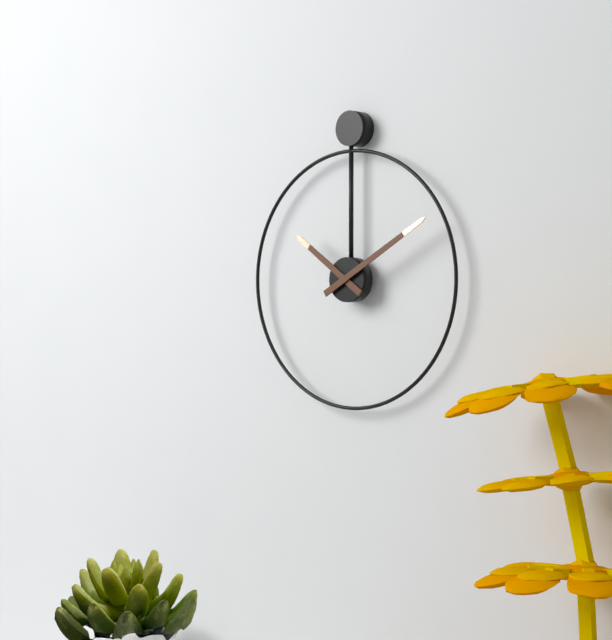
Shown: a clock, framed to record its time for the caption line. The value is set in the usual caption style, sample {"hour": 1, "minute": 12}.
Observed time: {"hour": 10, "minute": 10}
